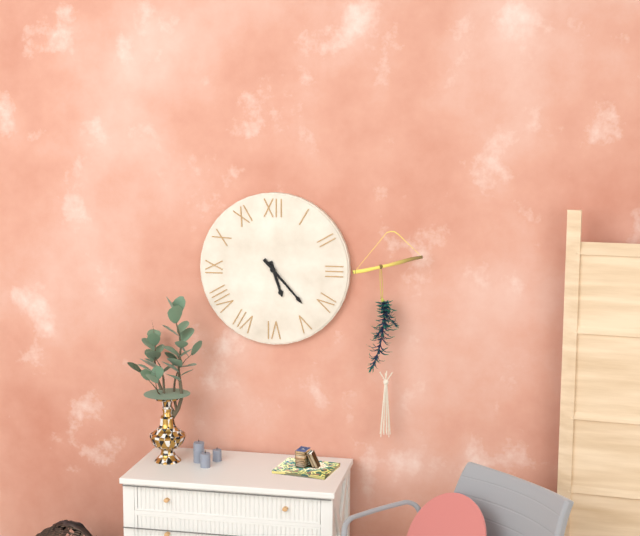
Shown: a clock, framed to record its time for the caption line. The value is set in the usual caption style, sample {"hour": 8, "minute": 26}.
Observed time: {"hour": 5, "minute": 23}
